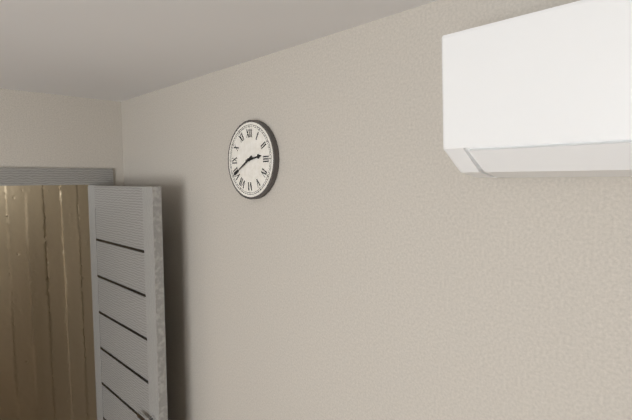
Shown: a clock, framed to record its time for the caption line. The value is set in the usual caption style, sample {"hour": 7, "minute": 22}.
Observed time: {"hour": 2, "minute": 40}
